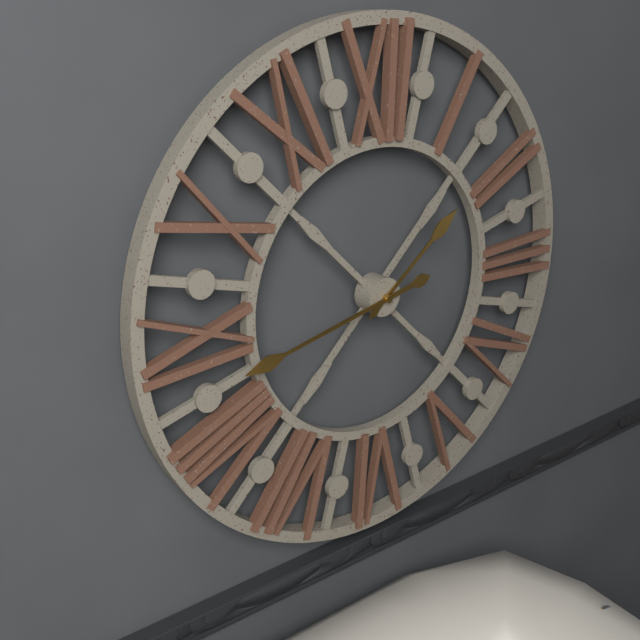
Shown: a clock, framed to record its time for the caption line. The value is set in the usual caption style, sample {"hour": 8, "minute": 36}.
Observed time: {"hour": 1, "minute": 43}
